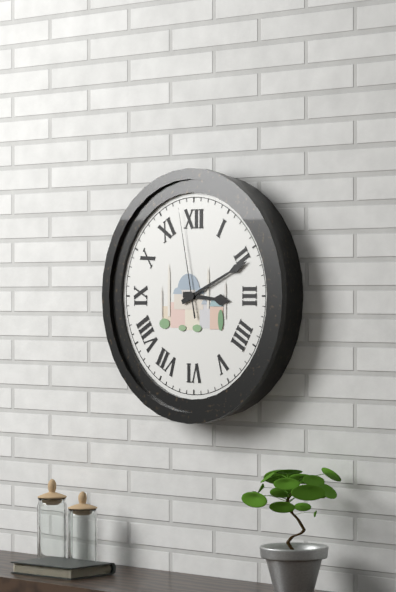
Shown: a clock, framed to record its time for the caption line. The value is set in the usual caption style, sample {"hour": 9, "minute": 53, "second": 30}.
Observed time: {"hour": 3, "minute": 11, "second": 58}
